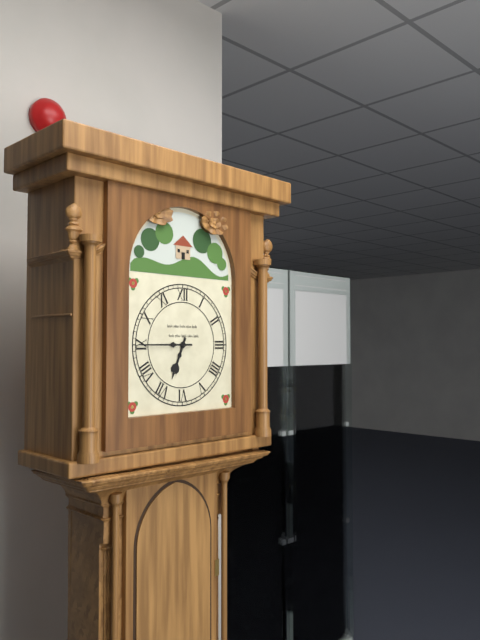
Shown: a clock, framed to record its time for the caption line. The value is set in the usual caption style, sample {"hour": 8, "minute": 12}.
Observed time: {"hour": 6, "minute": 45}
